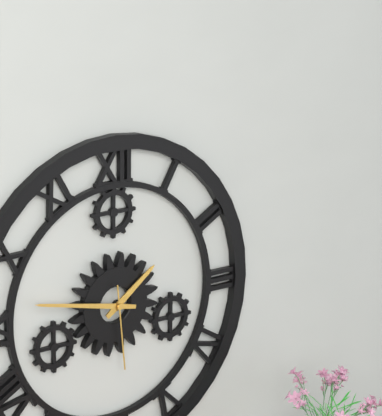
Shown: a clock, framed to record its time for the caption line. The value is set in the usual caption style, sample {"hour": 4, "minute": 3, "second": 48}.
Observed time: {"hour": 1, "minute": 47, "second": 29}
